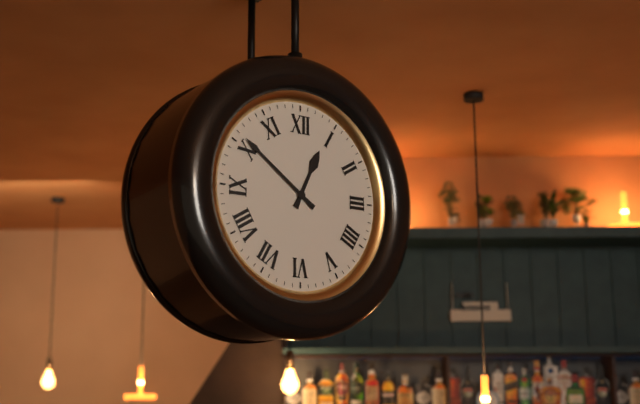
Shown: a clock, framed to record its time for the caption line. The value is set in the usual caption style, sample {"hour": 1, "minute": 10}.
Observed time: {"hour": 12, "minute": 51}
